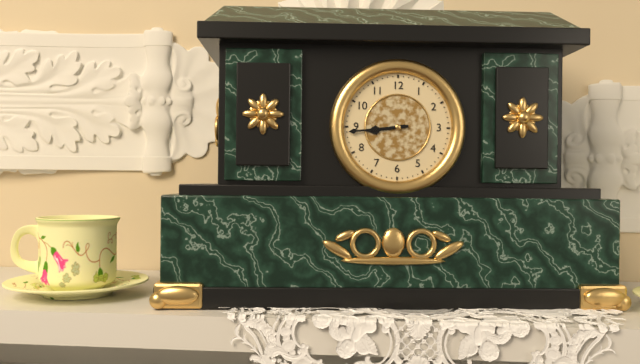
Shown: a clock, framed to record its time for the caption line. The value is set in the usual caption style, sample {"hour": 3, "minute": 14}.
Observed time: {"hour": 8, "minute": 44}
